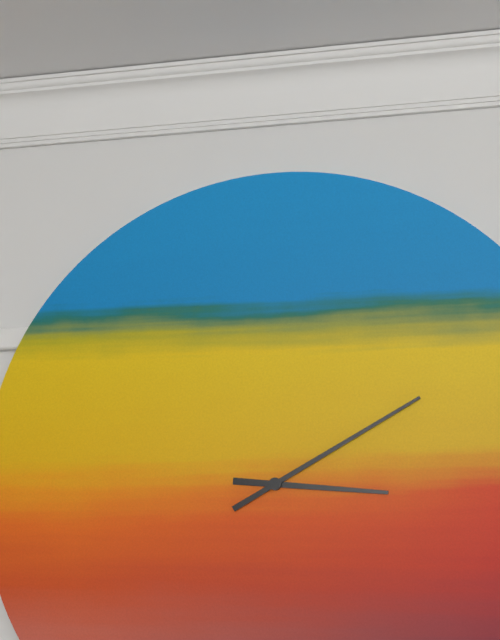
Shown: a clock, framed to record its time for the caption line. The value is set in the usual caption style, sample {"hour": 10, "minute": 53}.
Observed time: {"hour": 3, "minute": 10}
